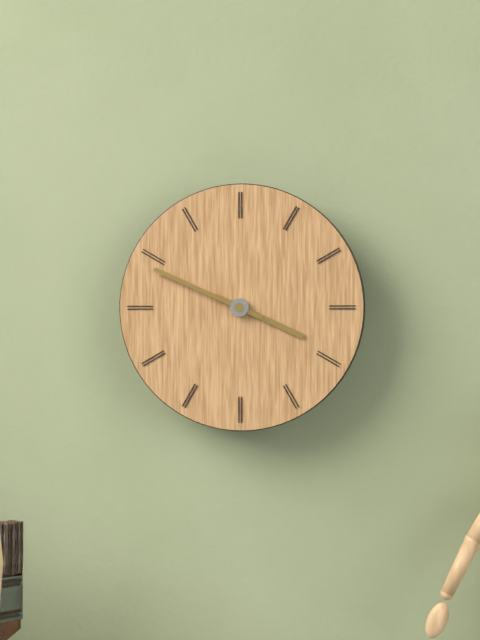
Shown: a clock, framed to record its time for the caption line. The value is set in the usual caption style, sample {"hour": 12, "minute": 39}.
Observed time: {"hour": 3, "minute": 49}
